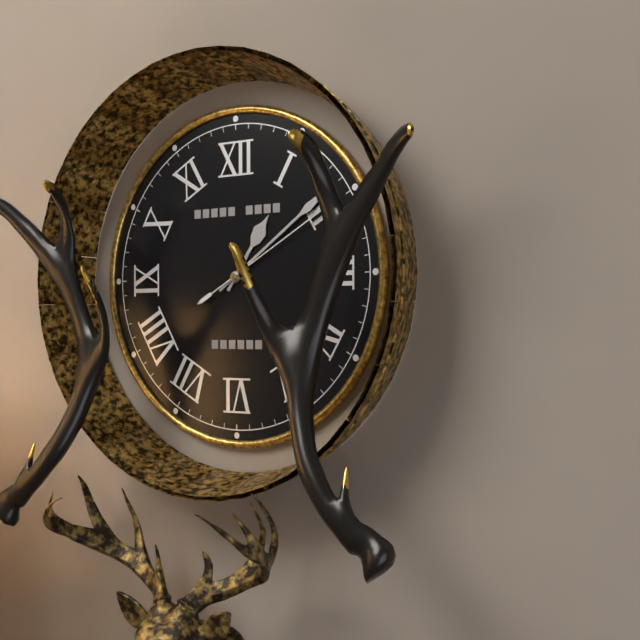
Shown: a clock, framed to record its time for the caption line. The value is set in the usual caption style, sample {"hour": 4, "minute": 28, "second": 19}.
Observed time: {"hour": 1, "minute": 9, "second": 10}
